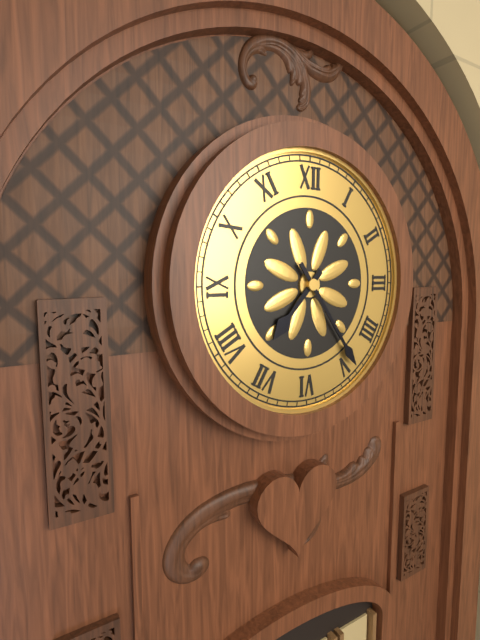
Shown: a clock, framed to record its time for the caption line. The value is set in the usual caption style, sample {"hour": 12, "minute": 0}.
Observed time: {"hour": 7, "minute": 24}
